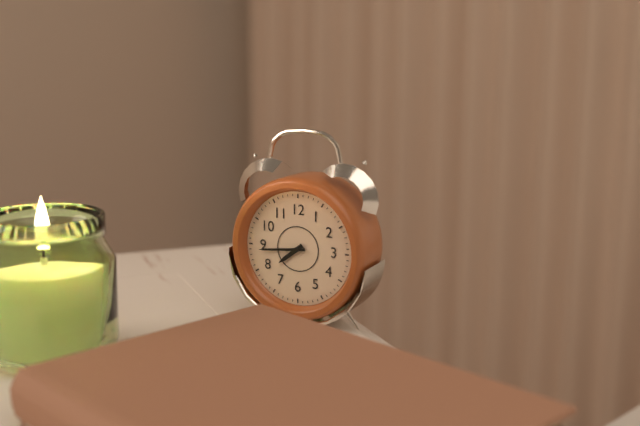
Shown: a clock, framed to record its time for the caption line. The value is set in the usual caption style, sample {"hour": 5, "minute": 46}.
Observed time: {"hour": 7, "minute": 44}
